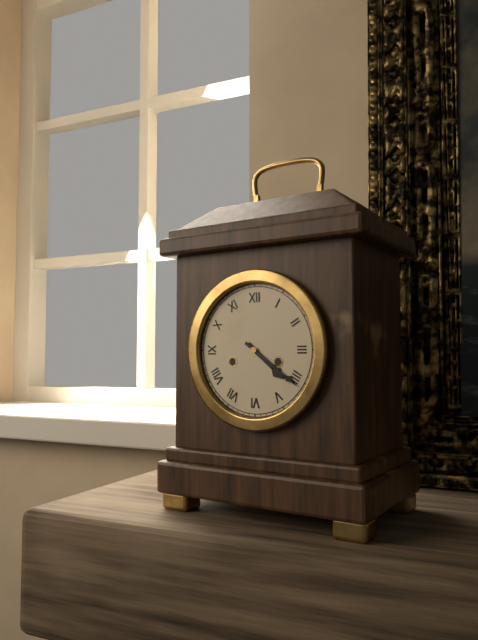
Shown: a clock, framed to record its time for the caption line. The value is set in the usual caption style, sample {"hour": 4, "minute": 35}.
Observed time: {"hour": 4, "minute": 21}
